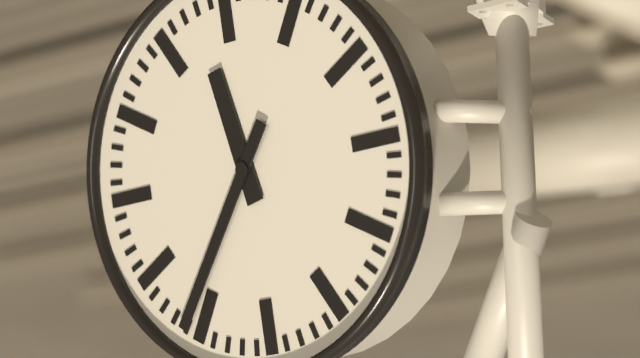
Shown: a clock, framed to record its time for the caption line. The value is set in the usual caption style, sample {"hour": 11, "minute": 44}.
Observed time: {"hour": 11, "minute": 36}
